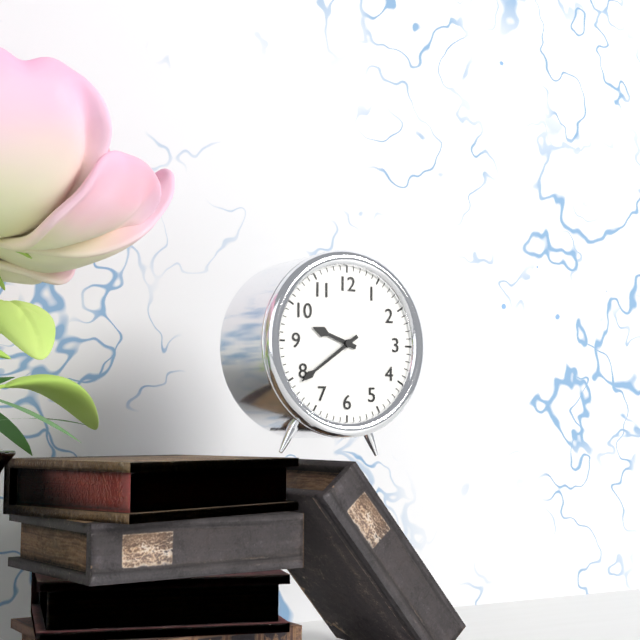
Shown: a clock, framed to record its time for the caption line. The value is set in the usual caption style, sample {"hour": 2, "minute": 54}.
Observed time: {"hour": 9, "minute": 39}
